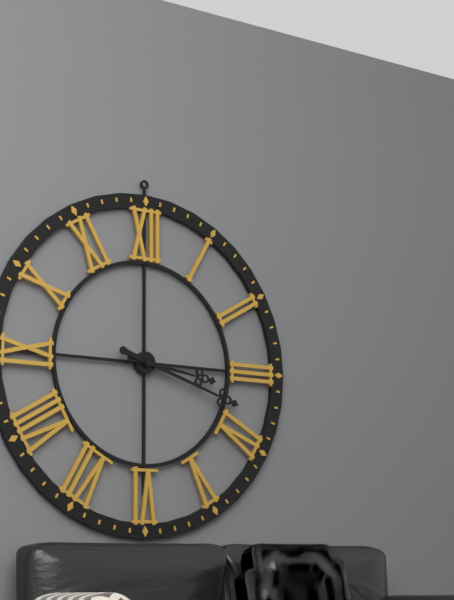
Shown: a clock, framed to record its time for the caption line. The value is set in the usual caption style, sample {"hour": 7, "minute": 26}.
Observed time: {"hour": 3, "minute": 18}
